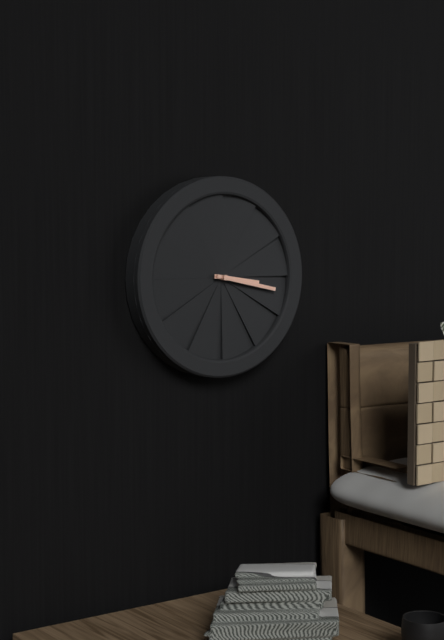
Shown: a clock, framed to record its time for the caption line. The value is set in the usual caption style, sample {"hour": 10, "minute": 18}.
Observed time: {"hour": 3, "minute": 17}
